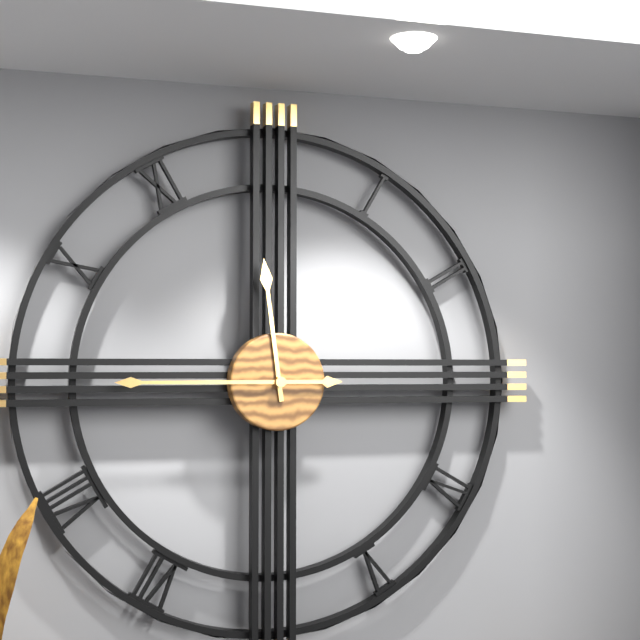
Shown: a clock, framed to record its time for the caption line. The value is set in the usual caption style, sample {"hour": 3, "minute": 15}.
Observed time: {"hour": 11, "minute": 45}
